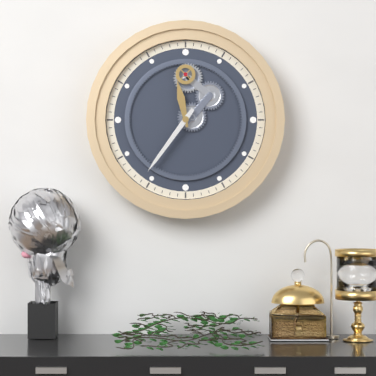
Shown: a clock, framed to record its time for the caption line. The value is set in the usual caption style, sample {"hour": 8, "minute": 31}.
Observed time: {"hour": 11, "minute": 36}
